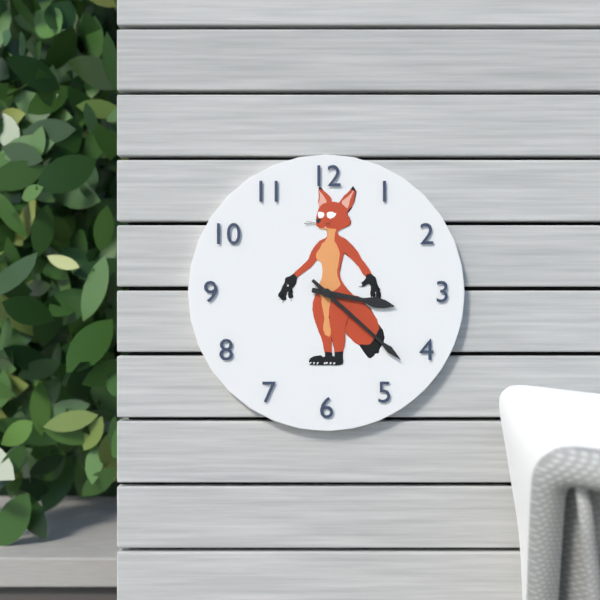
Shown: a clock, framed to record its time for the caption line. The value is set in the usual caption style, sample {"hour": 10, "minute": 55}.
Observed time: {"hour": 3, "minute": 22}
